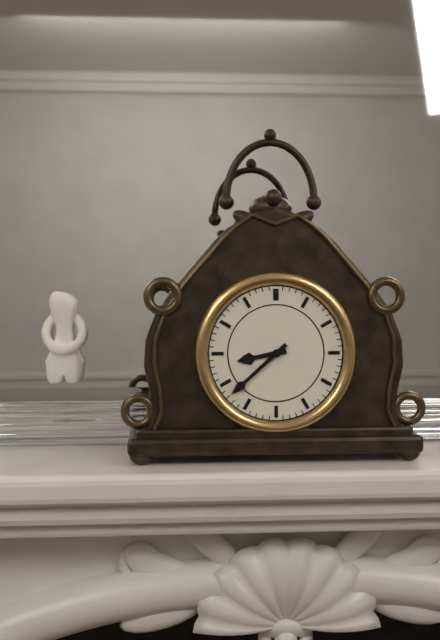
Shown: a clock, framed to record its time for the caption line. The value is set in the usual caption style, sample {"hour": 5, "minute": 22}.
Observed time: {"hour": 8, "minute": 38}
